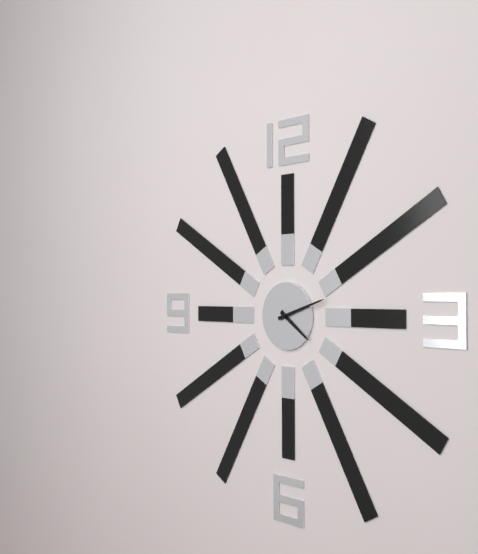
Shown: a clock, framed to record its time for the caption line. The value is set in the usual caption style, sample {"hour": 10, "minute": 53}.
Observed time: {"hour": 4, "minute": 12}
